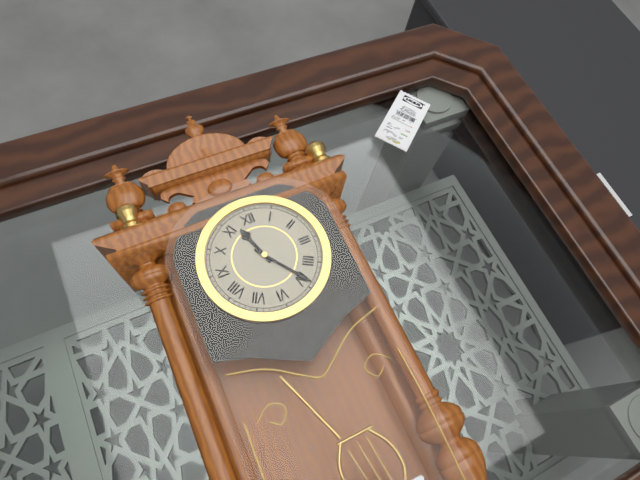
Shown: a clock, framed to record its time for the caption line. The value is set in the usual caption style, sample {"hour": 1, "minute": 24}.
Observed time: {"hour": 11, "minute": 24}
